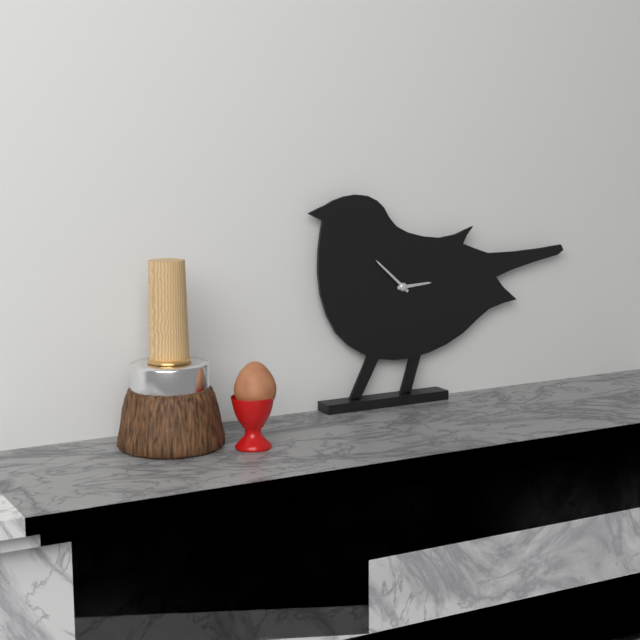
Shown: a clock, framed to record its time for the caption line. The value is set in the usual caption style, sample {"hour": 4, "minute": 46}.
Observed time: {"hour": 2, "minute": 52}
